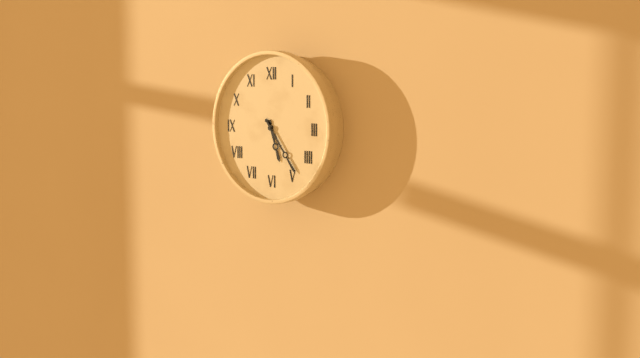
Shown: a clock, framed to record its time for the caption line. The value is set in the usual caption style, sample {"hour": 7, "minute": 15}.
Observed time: {"hour": 5, "minute": 24}
